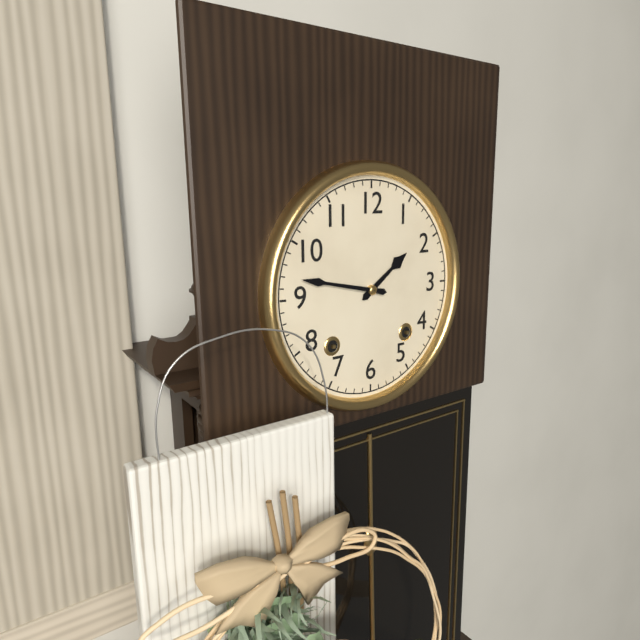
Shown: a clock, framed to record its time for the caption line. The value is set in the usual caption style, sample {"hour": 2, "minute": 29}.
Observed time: {"hour": 1, "minute": 47}
